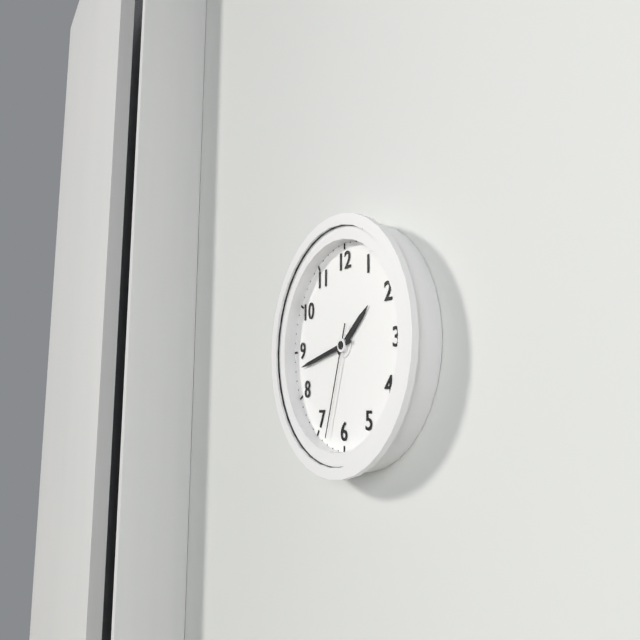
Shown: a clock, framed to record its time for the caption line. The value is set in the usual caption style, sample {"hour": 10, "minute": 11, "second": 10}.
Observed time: {"hour": 1, "minute": 43, "second": 33}
